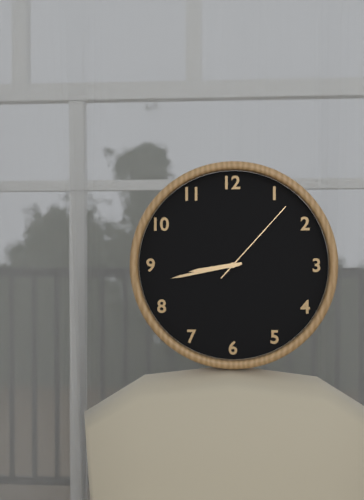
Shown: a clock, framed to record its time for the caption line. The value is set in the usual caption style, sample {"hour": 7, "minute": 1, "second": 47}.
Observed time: {"hour": 8, "minute": 43, "second": 7}
